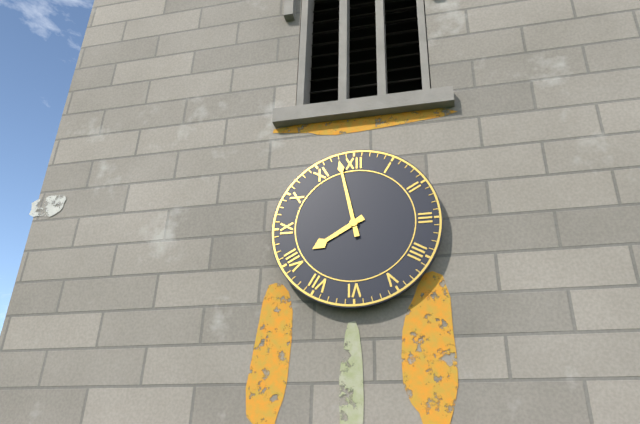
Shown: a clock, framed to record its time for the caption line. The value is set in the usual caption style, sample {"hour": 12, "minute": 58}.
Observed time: {"hour": 7, "minute": 58}
